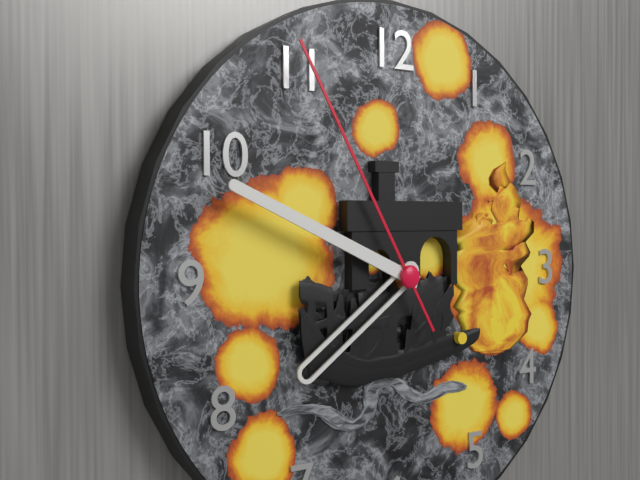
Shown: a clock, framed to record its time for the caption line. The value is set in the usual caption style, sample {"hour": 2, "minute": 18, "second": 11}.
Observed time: {"hour": 7, "minute": 49, "second": 55}
